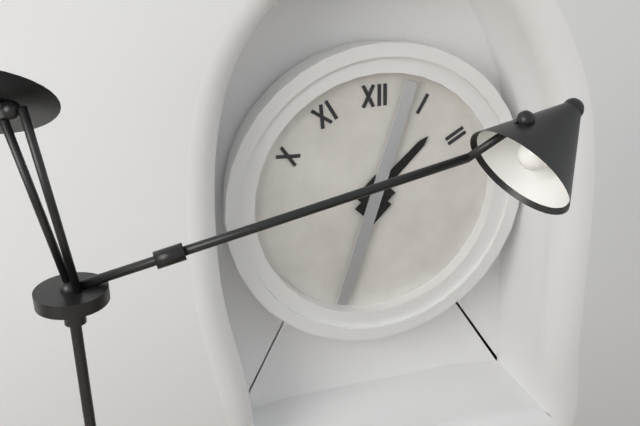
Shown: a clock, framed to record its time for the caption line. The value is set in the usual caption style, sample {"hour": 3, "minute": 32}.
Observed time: {"hour": 1, "minute": 33}
